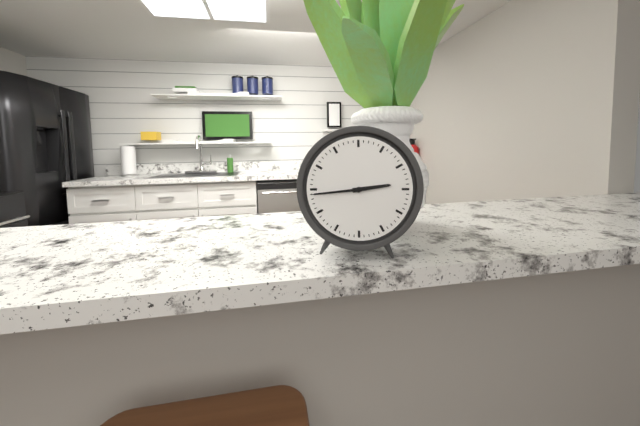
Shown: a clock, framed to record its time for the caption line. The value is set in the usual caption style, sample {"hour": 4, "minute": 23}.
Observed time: {"hour": 2, "minute": 44}
